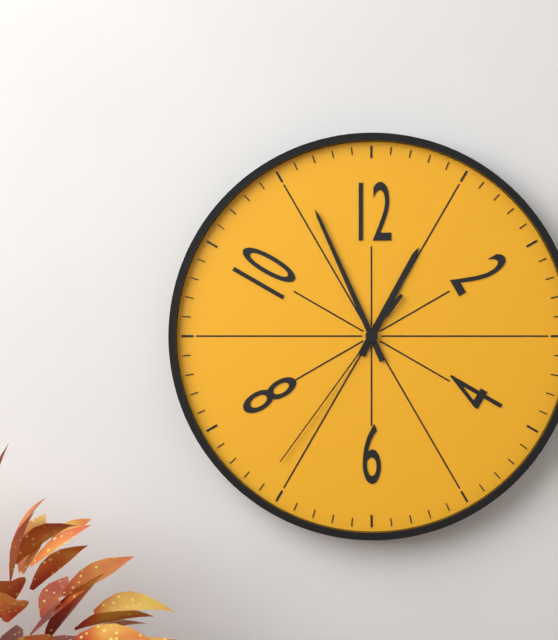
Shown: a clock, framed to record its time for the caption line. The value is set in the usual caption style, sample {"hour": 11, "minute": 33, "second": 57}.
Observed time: {"hour": 12, "minute": 56, "second": 36}
